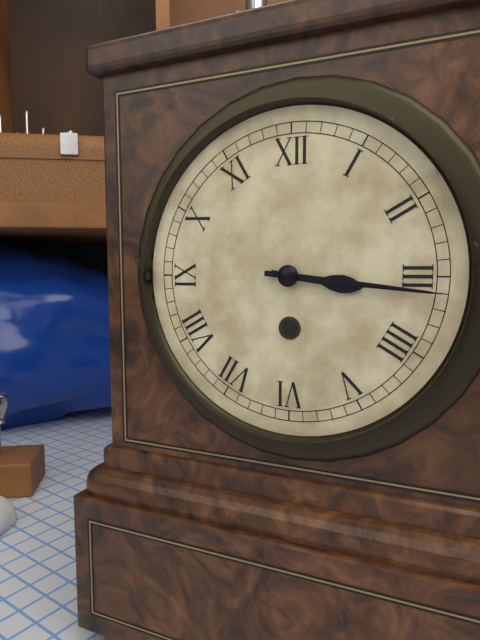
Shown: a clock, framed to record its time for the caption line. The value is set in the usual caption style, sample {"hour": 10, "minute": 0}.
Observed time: {"hour": 3, "minute": 16}
